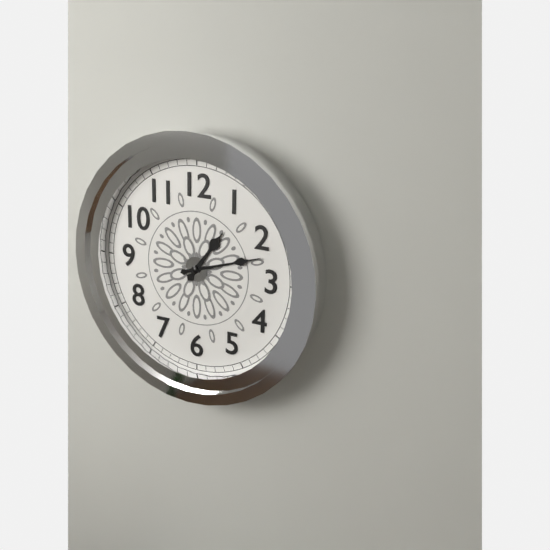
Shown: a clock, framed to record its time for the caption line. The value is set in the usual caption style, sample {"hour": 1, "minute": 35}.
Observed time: {"hour": 1, "minute": 12}
